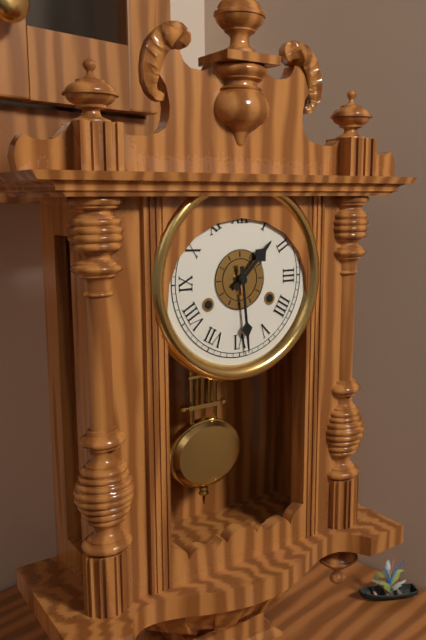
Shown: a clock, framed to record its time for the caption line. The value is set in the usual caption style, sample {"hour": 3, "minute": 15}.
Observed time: {"hour": 1, "minute": 29}
